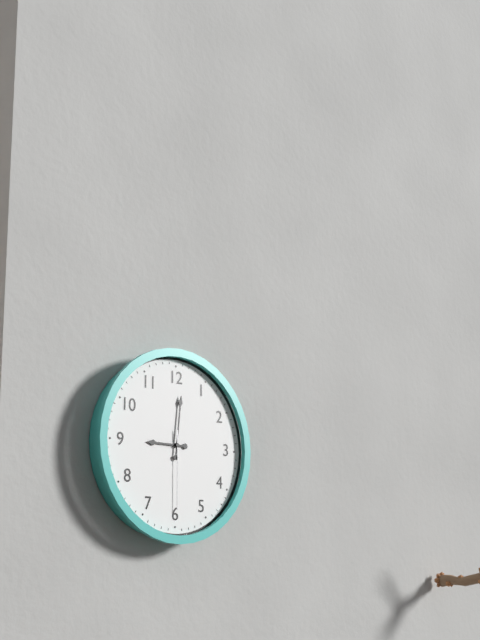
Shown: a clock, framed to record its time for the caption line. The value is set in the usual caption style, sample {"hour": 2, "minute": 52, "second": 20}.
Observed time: {"hour": 9, "minute": 1, "second": 30}
